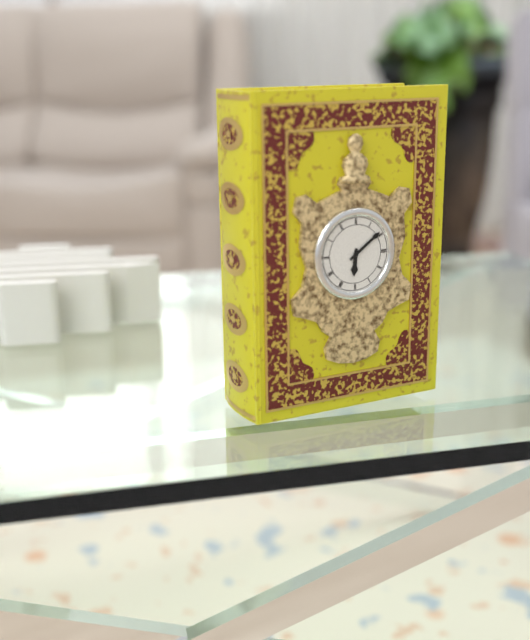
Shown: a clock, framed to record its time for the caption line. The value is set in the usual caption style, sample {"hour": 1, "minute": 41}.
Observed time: {"hour": 6, "minute": 9}
